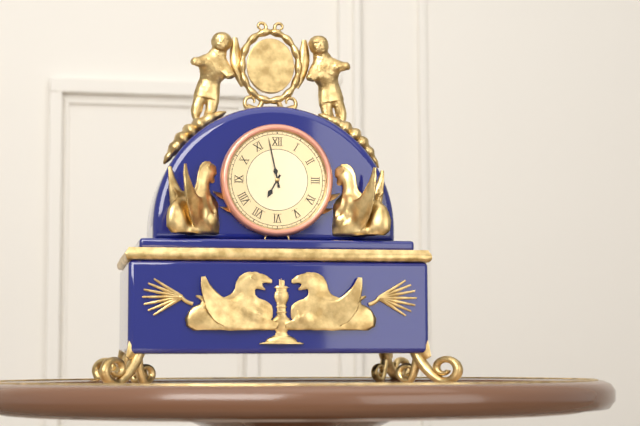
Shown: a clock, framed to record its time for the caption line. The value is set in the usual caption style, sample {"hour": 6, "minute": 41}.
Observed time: {"hour": 6, "minute": 58}
